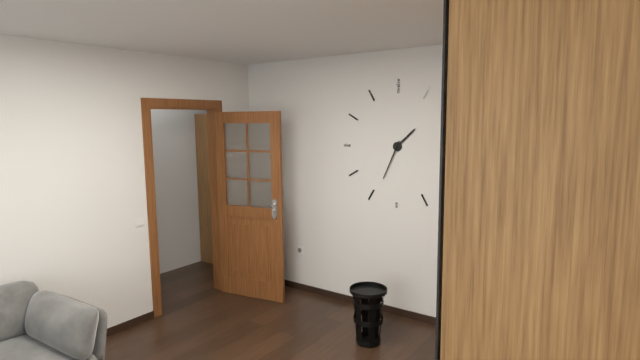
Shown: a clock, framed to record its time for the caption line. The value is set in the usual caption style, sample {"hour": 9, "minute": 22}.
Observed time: {"hour": 1, "minute": 34}
